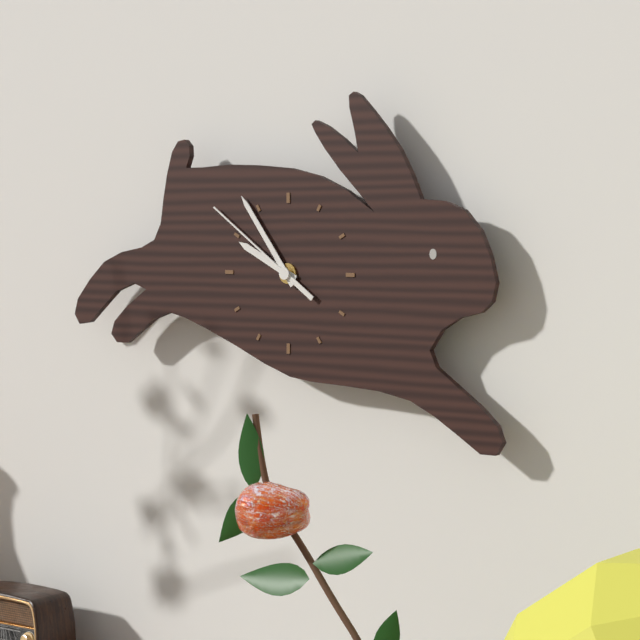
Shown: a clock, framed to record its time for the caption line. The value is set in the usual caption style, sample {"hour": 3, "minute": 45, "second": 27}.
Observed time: {"hour": 9, "minute": 54, "second": 51}
